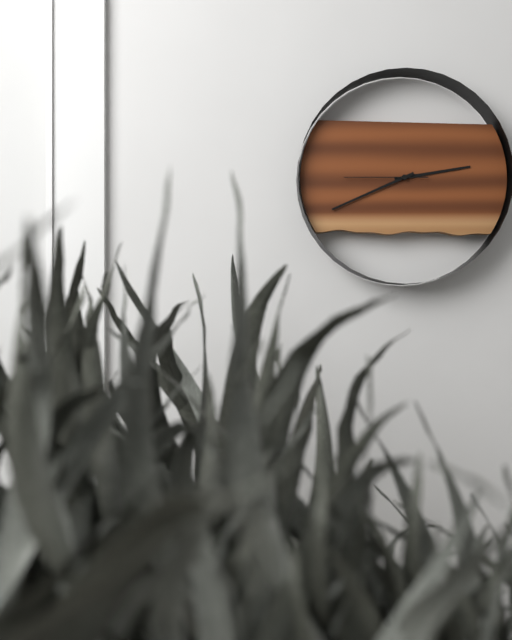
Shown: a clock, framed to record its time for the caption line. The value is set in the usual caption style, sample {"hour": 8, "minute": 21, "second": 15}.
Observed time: {"hour": 2, "minute": 41, "second": 45}
